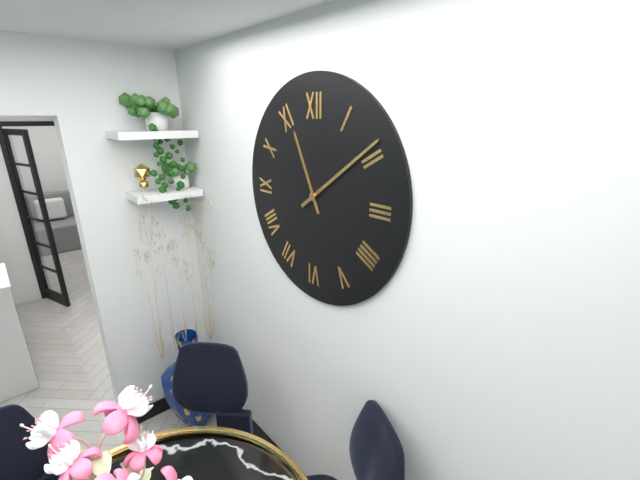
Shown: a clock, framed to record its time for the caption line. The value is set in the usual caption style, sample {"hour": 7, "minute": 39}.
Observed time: {"hour": 11, "minute": 9}
